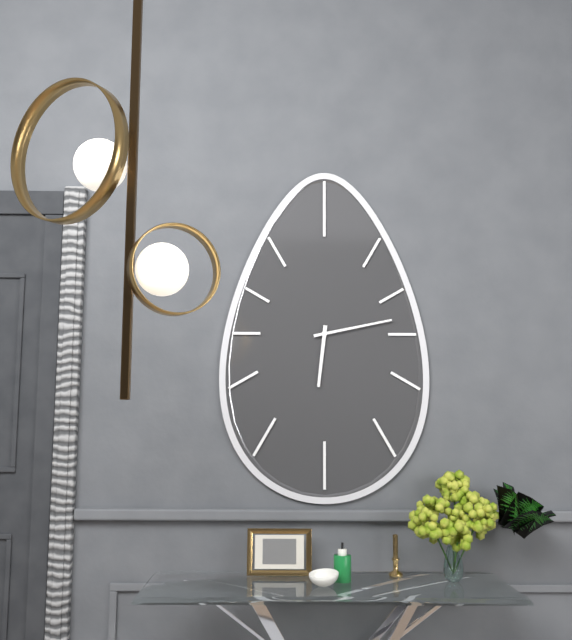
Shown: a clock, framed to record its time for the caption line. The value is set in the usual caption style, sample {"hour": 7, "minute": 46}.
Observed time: {"hour": 6, "minute": 13}
